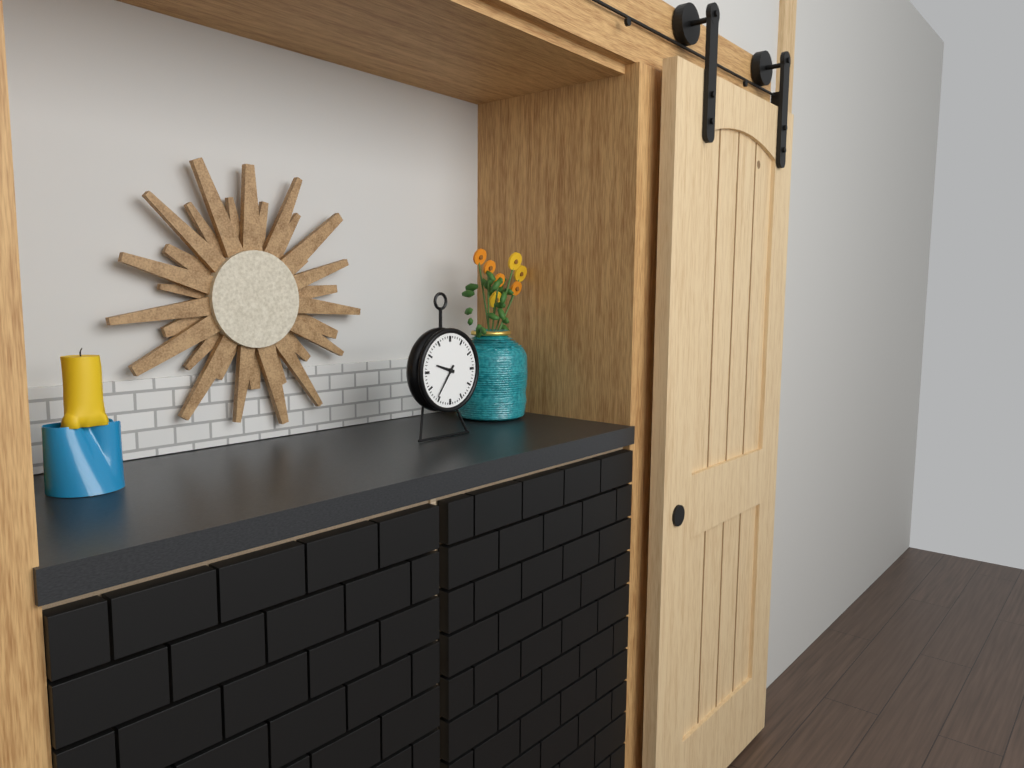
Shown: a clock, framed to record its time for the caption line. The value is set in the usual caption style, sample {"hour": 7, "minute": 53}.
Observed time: {"hour": 9, "minute": 36}
